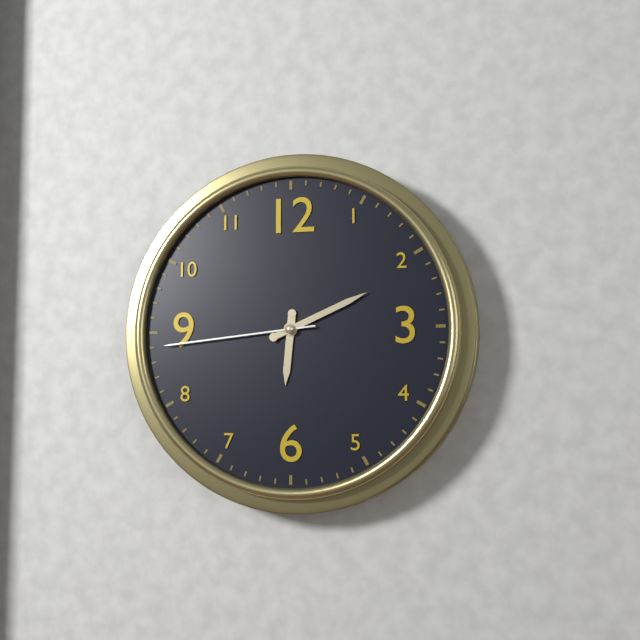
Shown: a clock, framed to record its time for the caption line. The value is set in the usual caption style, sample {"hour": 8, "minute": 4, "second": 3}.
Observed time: {"hour": 6, "minute": 11, "second": 44}
